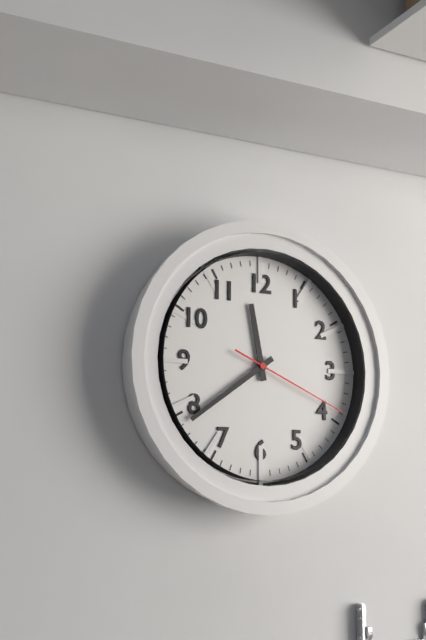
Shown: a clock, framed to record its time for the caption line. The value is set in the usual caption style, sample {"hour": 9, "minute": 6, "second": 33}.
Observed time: {"hour": 11, "minute": 39, "second": 19}
